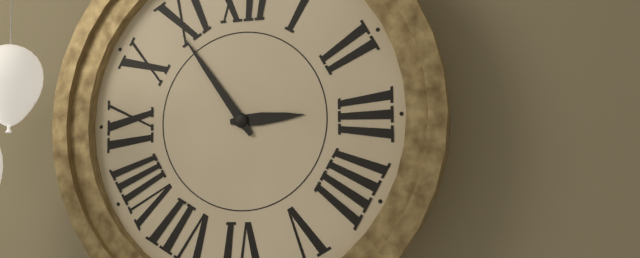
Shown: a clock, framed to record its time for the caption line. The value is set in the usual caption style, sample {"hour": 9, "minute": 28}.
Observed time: {"hour": 2, "minute": 54}
